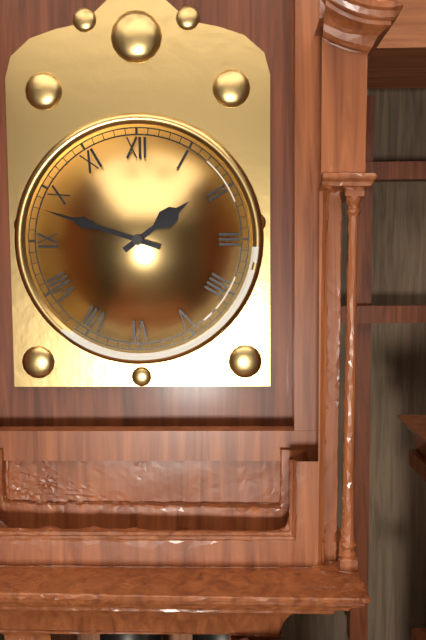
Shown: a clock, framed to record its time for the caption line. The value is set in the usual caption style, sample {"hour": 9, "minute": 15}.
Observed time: {"hour": 1, "minute": 48}
